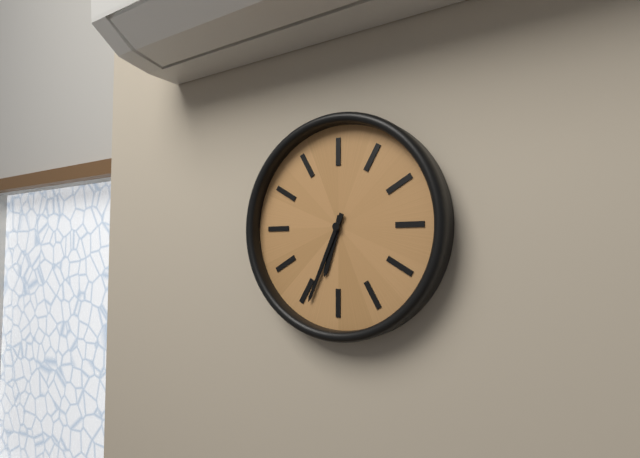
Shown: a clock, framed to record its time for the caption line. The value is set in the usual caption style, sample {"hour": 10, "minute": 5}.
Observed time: {"hour": 6, "minute": 34}
